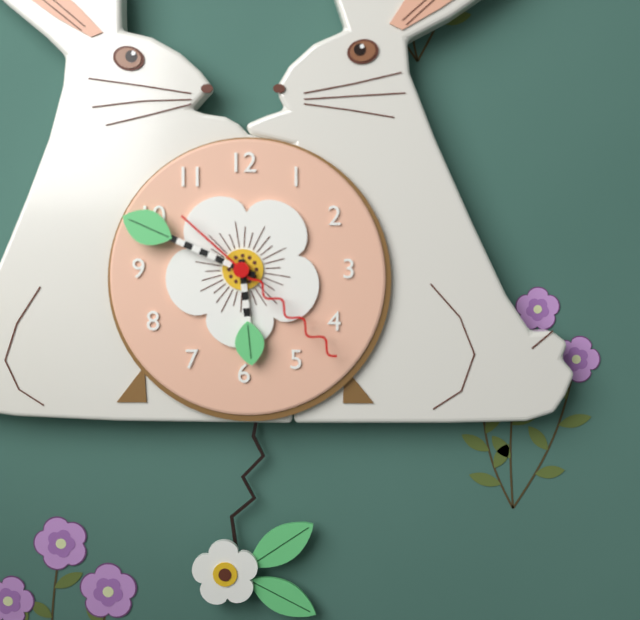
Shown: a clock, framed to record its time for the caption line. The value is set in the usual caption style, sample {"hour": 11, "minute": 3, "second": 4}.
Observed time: {"hour": 5, "minute": 49, "second": 22}
